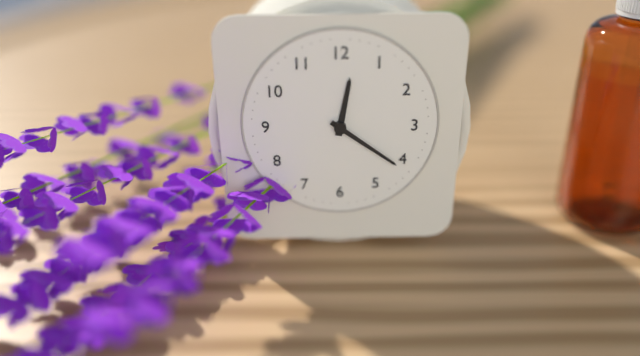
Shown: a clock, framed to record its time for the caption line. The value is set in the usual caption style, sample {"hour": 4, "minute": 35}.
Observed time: {"hour": 12, "minute": 21}
